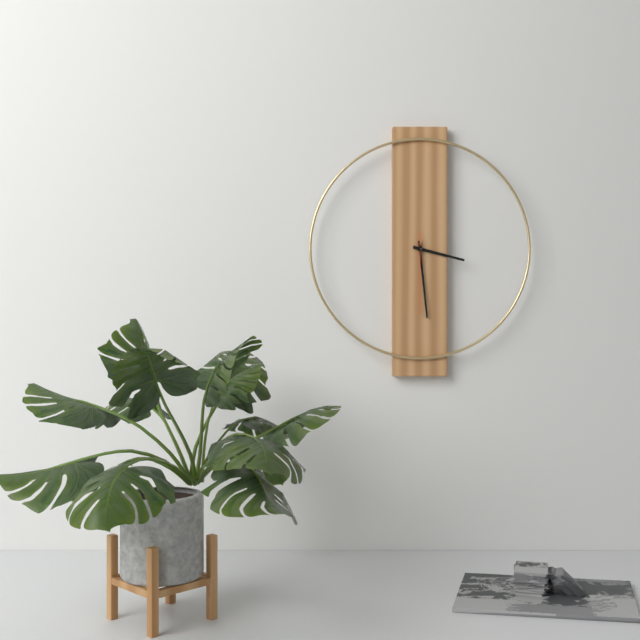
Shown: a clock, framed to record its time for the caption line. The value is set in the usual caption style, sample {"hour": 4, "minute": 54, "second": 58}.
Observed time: {"hour": 3, "minute": 29, "second": 30}
